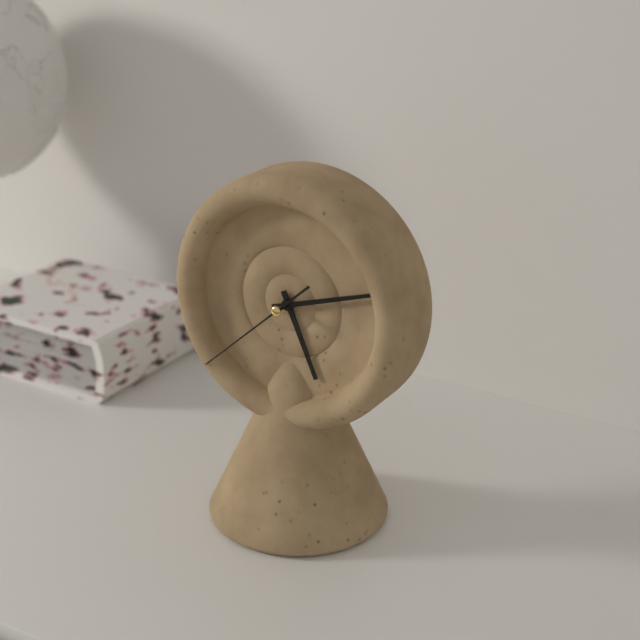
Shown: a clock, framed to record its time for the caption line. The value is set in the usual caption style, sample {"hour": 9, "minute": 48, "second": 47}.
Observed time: {"hour": 5, "minute": 12, "second": 38}
